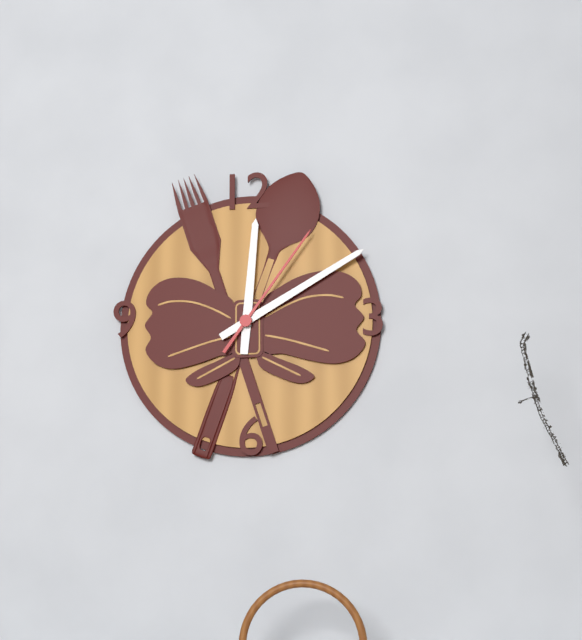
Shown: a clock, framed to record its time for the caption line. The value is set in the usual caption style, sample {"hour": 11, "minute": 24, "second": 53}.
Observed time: {"hour": 12, "minute": 10, "second": 6}
